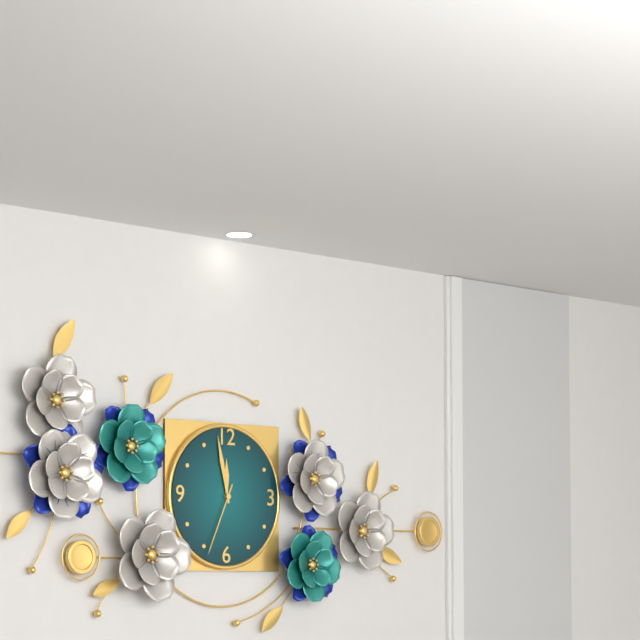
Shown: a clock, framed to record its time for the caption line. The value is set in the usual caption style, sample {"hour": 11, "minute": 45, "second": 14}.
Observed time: {"hour": 11, "minute": 58, "second": 34}
